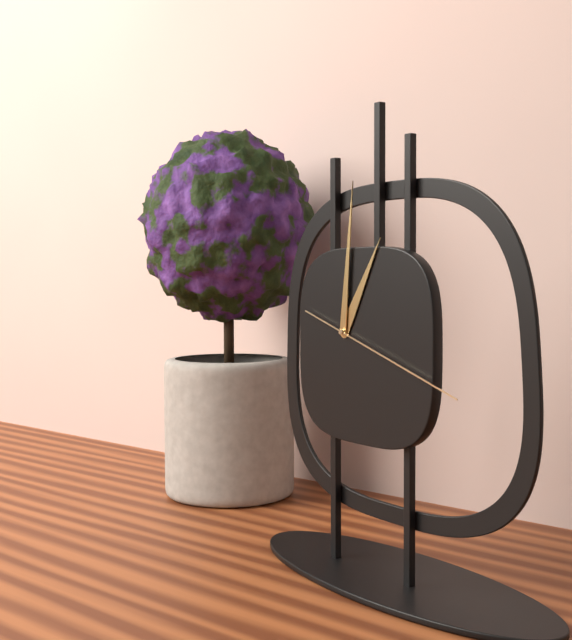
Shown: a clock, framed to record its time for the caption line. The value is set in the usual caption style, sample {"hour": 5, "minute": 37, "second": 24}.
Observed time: {"hour": 1, "minute": 1, "second": 18}
